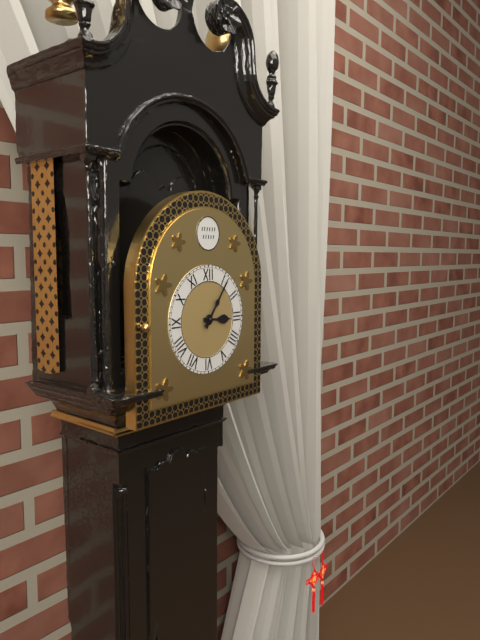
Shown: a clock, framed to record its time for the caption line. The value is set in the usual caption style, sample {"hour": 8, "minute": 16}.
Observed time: {"hour": 3, "minute": 6}
